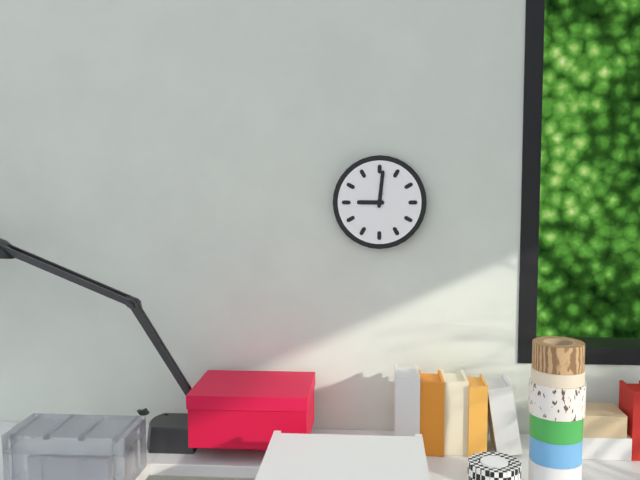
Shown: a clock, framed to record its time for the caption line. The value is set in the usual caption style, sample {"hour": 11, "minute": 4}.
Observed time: {"hour": 9, "minute": 1}
